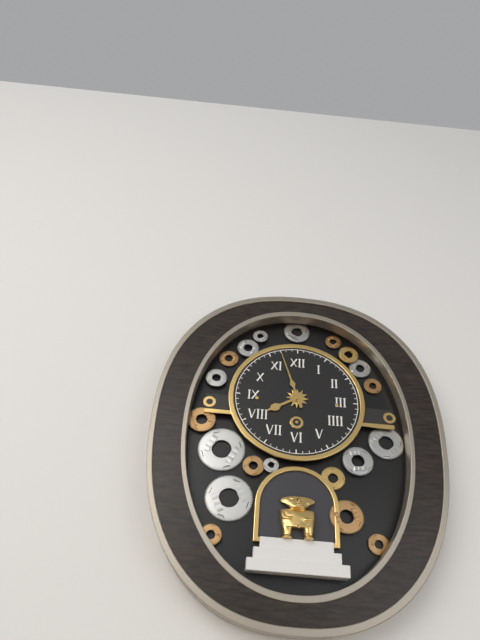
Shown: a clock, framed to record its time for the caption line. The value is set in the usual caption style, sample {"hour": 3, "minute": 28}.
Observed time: {"hour": 7, "minute": 57}
